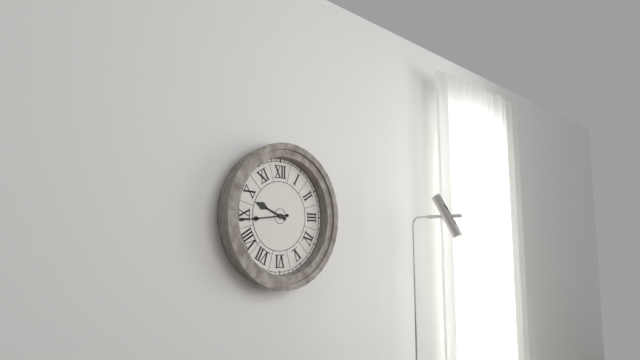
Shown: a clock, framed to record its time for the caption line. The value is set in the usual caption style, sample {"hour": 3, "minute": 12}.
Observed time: {"hour": 9, "minute": 44}
